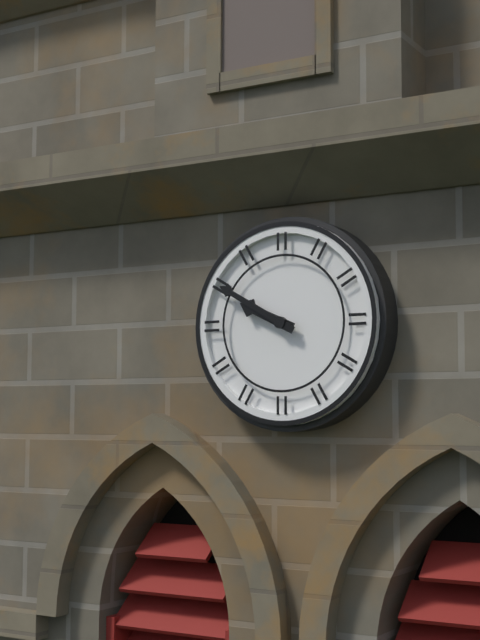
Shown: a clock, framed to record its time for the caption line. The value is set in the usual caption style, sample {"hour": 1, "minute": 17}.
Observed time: {"hour": 9, "minute": 50}
